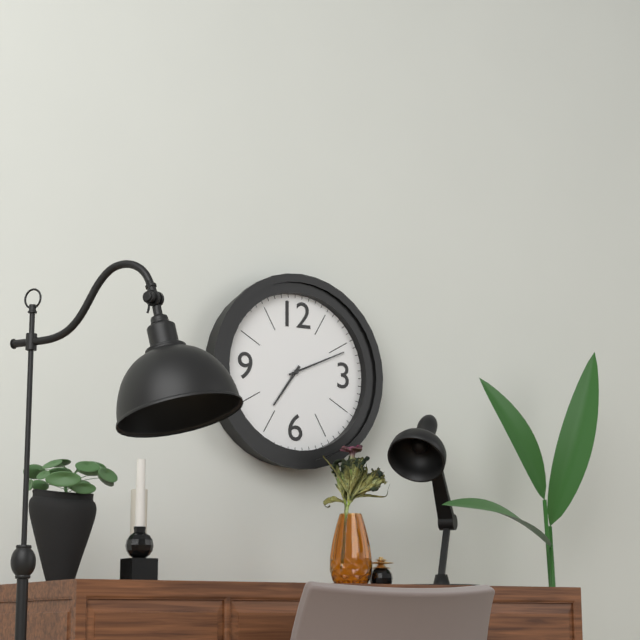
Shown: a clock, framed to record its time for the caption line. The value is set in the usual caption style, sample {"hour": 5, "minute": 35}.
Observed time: {"hour": 7, "minute": 11}
